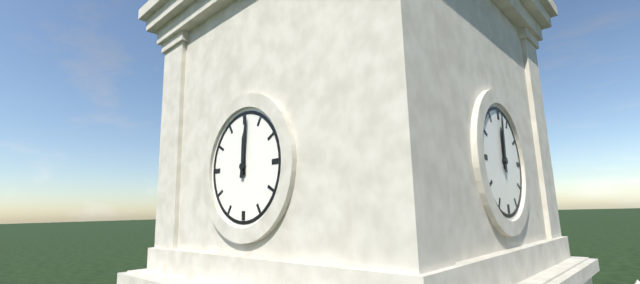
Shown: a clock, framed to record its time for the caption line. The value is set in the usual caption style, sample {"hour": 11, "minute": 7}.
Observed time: {"hour": 12, "minute": 1}
